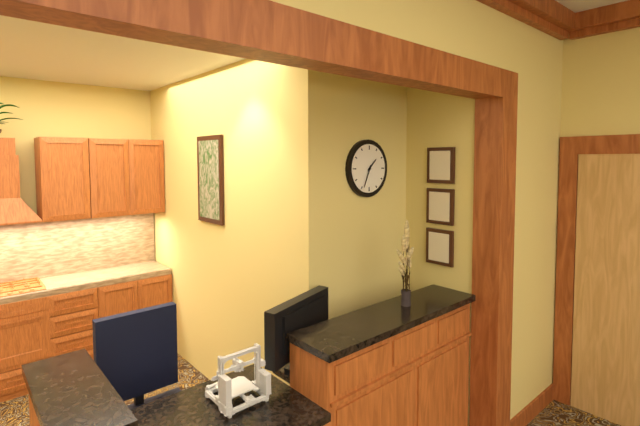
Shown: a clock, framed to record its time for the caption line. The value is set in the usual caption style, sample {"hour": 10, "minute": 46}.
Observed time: {"hour": 1, "minute": 34}
